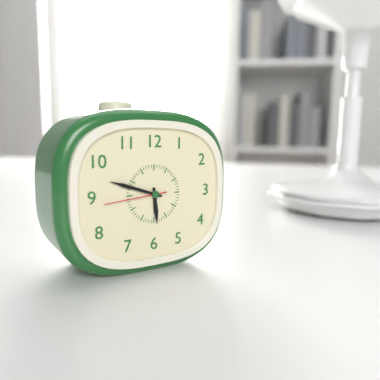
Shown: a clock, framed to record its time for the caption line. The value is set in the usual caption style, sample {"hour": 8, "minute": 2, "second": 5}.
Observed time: {"hour": 5, "minute": 48, "second": 44}
